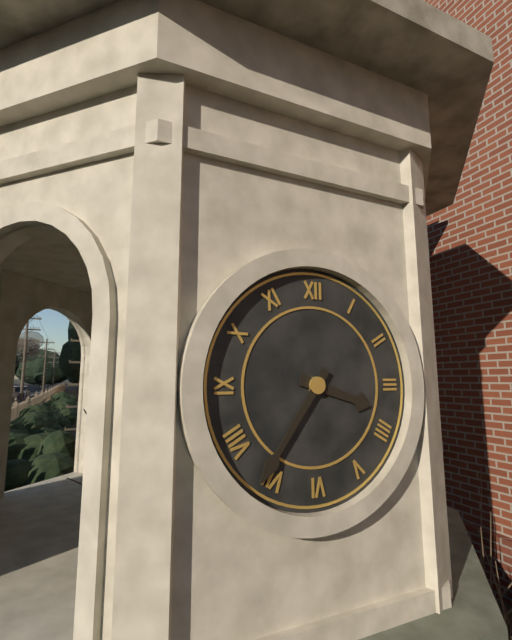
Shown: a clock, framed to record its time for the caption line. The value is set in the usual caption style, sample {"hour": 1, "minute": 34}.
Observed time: {"hour": 3, "minute": 36}
